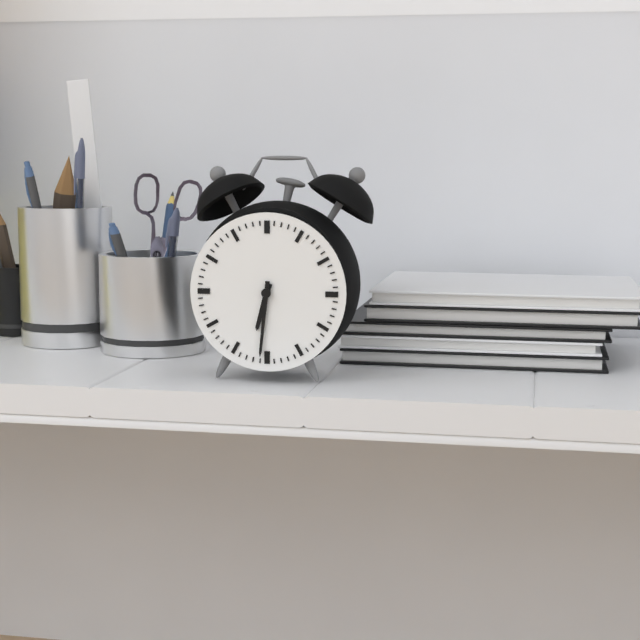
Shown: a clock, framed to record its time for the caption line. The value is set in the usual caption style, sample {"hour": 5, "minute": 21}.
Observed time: {"hour": 6, "minute": 31}
